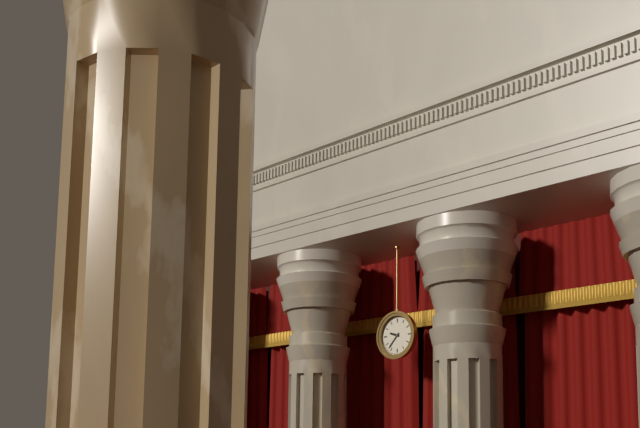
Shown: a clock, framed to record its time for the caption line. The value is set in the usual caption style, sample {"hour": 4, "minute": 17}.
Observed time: {"hour": 9, "minute": 37}
